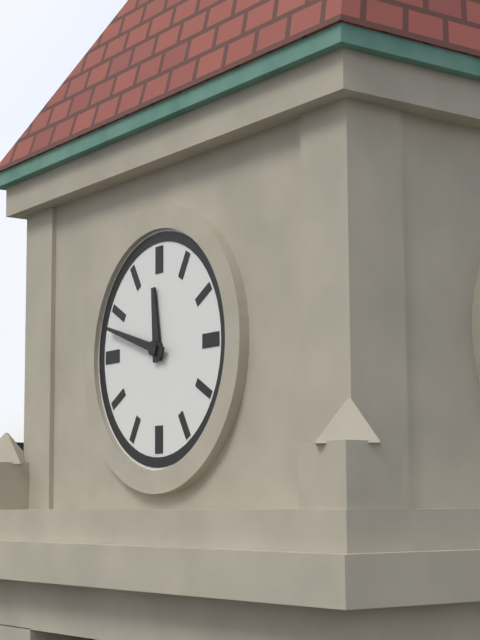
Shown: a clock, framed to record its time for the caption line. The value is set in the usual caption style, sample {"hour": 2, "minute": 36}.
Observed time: {"hour": 11, "minute": 48}
